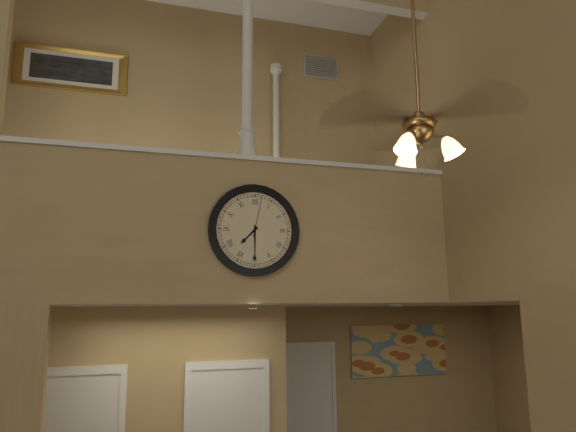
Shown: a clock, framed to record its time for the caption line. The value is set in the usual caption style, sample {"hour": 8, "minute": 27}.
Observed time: {"hour": 7, "minute": 30}
